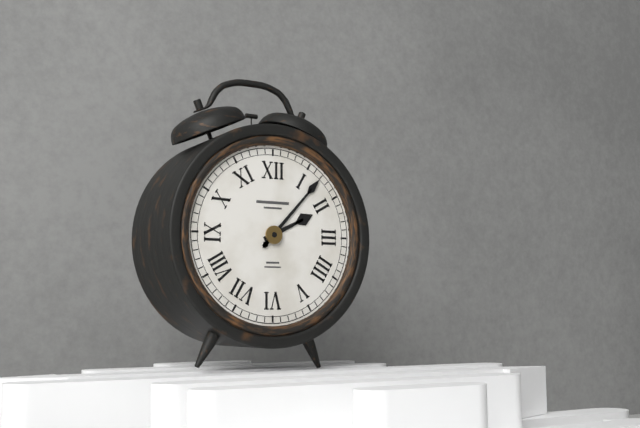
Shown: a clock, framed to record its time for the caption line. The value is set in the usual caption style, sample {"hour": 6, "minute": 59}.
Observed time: {"hour": 2, "minute": 7}
